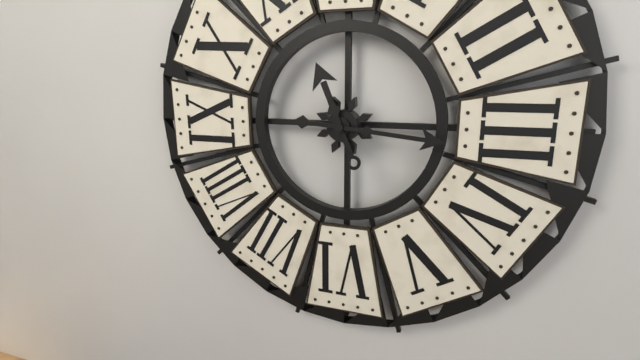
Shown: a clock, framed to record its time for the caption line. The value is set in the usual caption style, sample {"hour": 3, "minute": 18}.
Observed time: {"hour": 11, "minute": 16}
